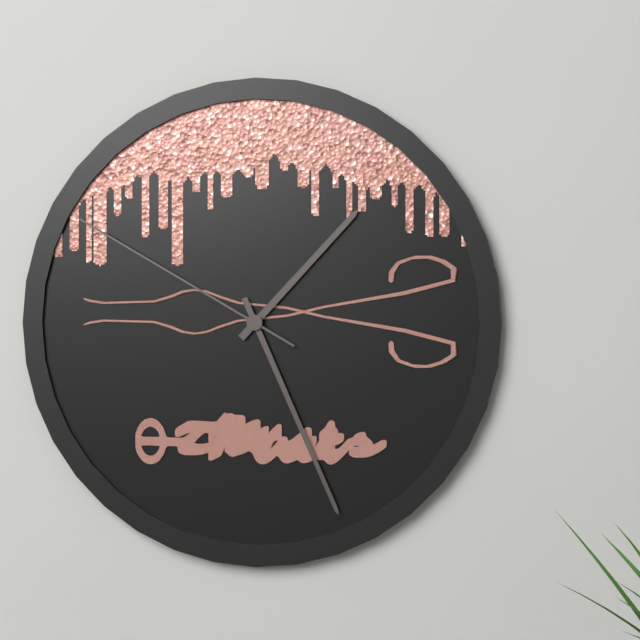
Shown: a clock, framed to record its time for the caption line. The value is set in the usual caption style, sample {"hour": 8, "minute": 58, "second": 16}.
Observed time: {"hour": 1, "minute": 26, "second": 50}
